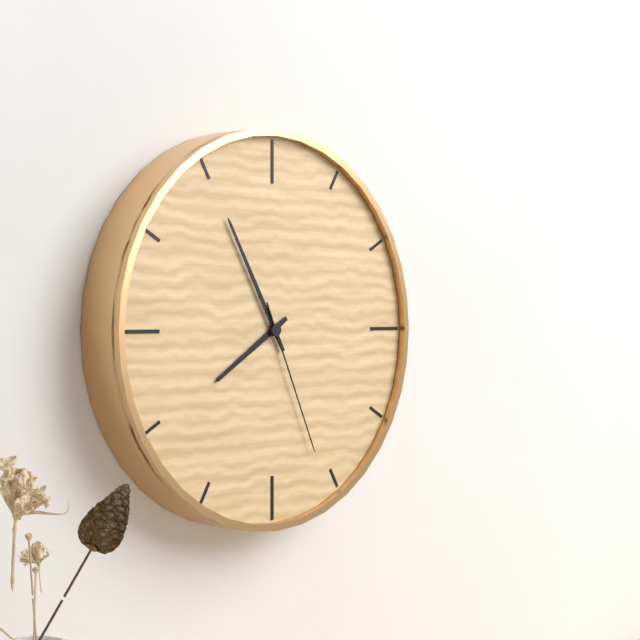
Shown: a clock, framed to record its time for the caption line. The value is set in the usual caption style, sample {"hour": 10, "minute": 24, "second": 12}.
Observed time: {"hour": 7, "minute": 55, "second": 26}
